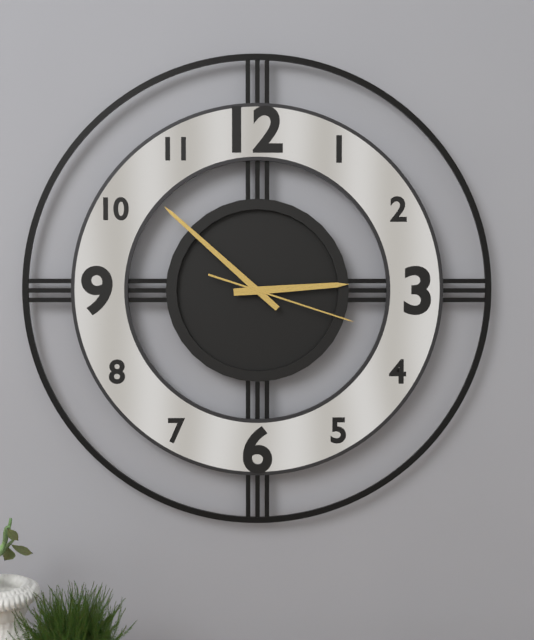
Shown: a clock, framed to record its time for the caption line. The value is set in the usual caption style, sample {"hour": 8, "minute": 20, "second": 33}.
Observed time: {"hour": 2, "minute": 52, "second": 18}
